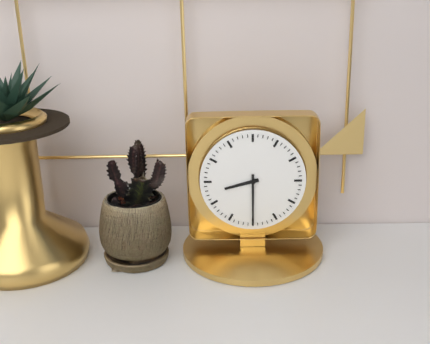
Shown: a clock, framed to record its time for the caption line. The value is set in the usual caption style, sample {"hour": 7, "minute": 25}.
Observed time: {"hour": 8, "minute": 30}
